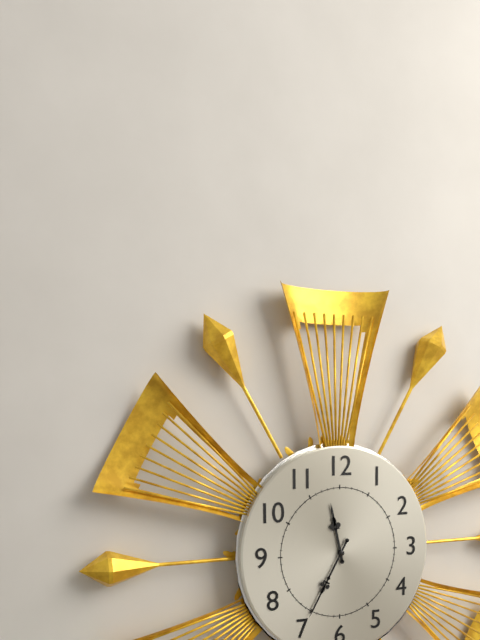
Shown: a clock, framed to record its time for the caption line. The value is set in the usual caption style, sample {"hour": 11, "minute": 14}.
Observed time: {"hour": 11, "minute": 35}
